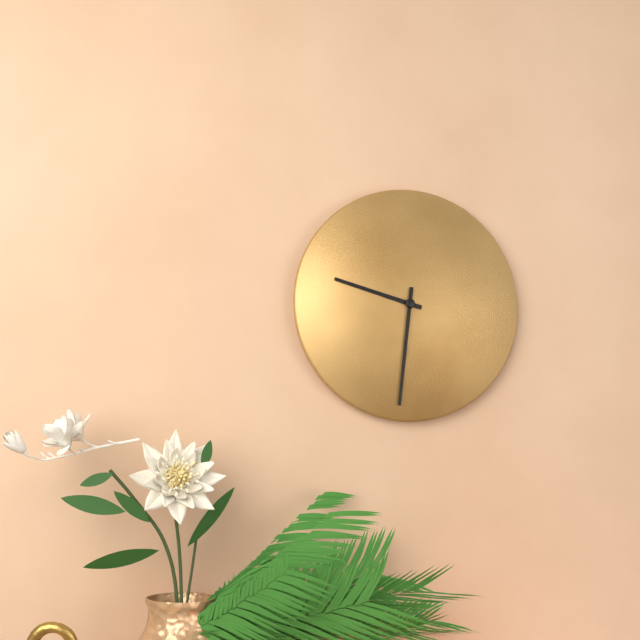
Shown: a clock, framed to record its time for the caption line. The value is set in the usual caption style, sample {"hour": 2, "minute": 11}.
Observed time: {"hour": 9, "minute": 31}
